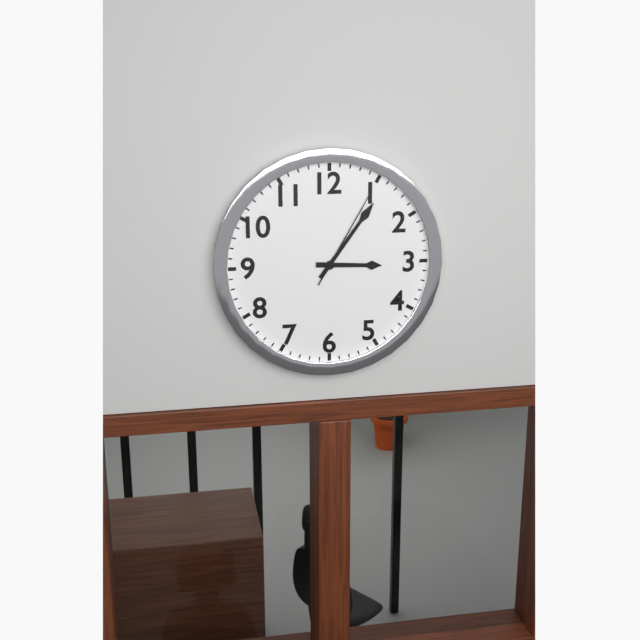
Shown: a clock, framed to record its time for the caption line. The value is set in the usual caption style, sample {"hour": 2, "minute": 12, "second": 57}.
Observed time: {"hour": 3, "minute": 6, "second": 5}
